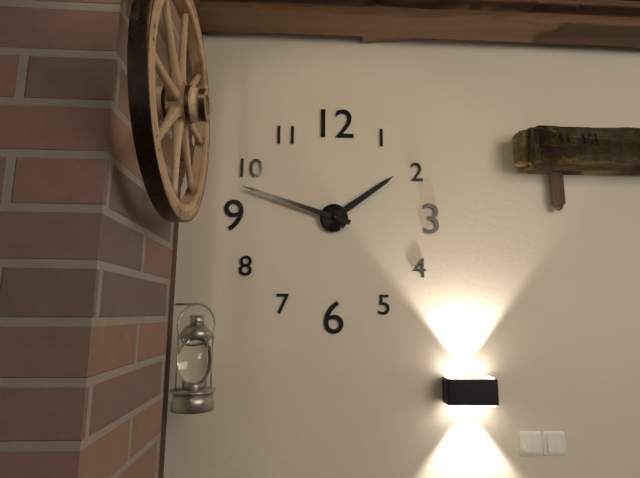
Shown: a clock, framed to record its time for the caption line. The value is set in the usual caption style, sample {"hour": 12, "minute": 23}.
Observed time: {"hour": 1, "minute": 48}
